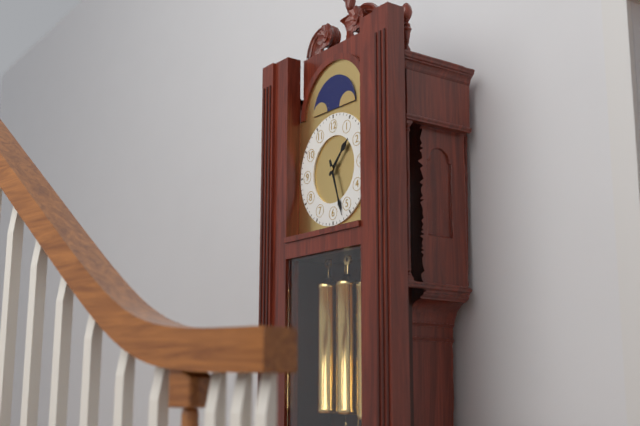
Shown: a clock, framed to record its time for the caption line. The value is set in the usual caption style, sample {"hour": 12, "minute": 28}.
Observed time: {"hour": 1, "minute": 27}
